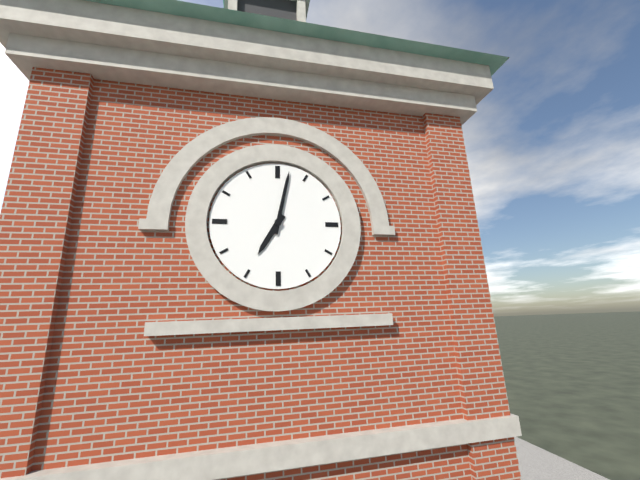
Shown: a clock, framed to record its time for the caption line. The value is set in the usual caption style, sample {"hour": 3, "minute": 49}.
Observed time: {"hour": 7, "minute": 2}
